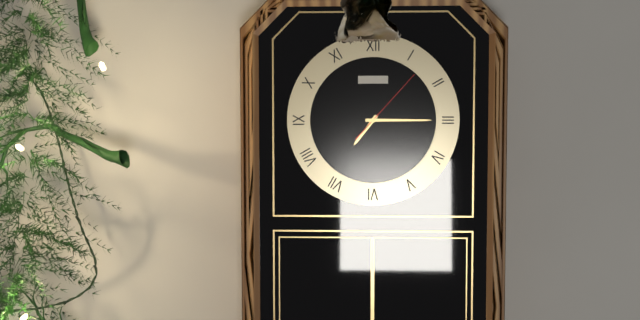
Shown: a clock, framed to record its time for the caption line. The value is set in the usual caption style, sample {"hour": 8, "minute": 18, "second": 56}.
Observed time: {"hour": 7, "minute": 15, "second": 7}
